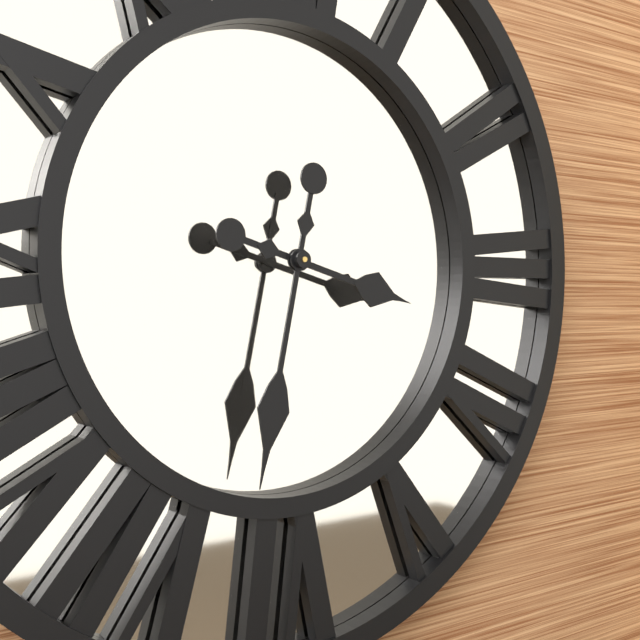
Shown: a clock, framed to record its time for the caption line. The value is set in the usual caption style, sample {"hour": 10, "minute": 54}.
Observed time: {"hour": 3, "minute": 32}
